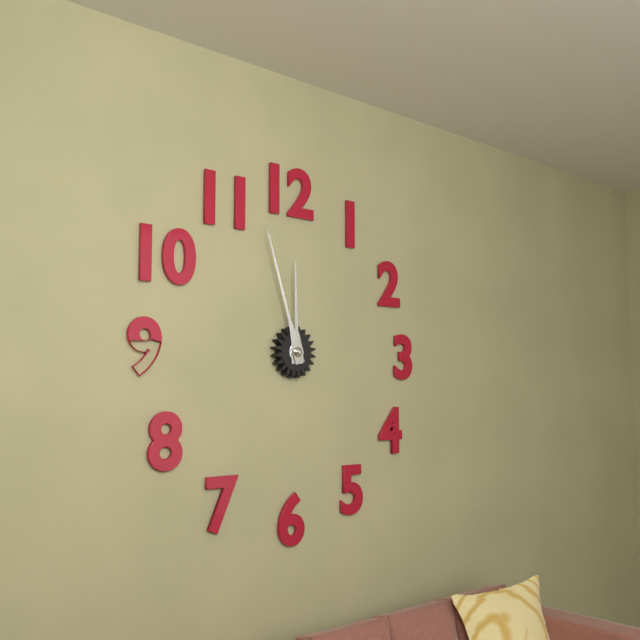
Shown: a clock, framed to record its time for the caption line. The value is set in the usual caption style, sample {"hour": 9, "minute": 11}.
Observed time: {"hour": 11, "minute": 57}
